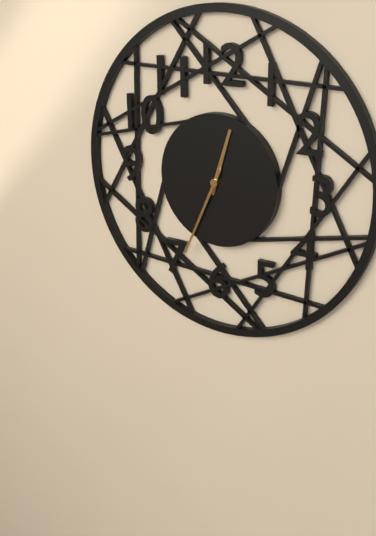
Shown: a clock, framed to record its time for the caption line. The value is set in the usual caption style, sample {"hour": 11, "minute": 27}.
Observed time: {"hour": 12, "minute": 34}
